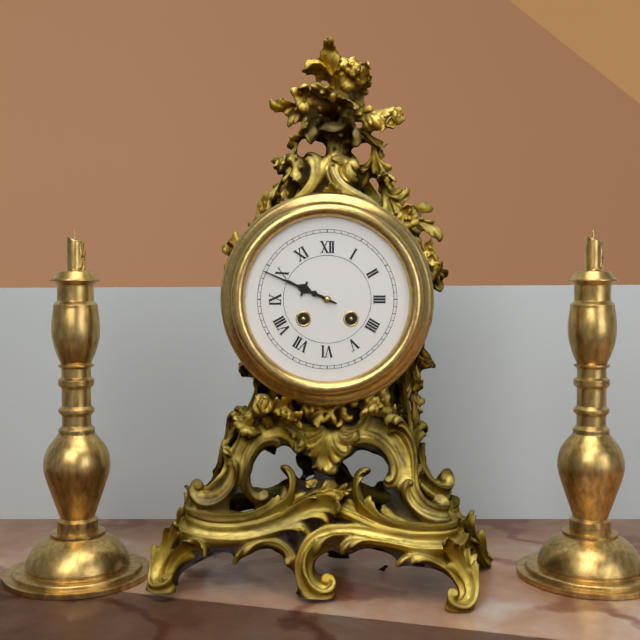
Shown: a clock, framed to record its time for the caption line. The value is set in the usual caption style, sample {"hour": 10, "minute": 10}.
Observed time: {"hour": 9, "minute": 49}
